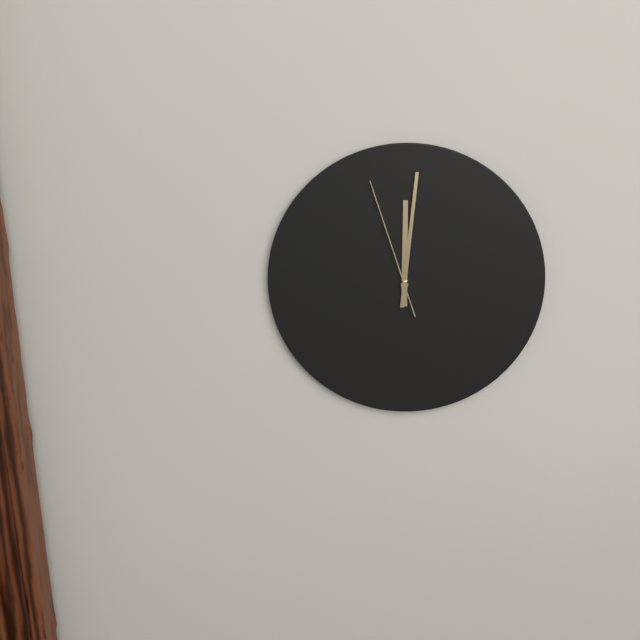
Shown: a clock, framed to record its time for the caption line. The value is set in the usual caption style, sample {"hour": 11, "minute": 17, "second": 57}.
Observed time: {"hour": 12, "minute": 1, "second": 57}
